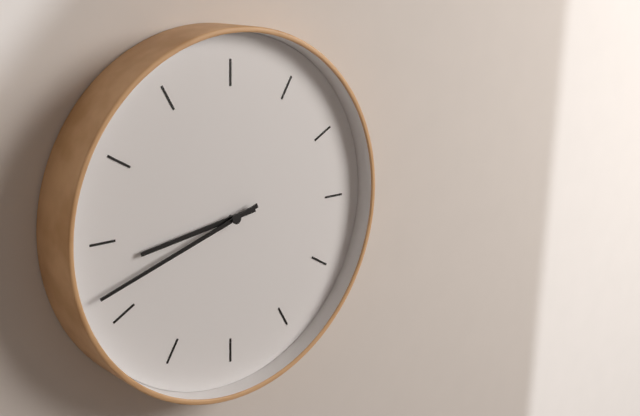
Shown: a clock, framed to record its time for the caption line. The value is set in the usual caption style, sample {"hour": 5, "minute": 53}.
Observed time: {"hour": 8, "minute": 42}
